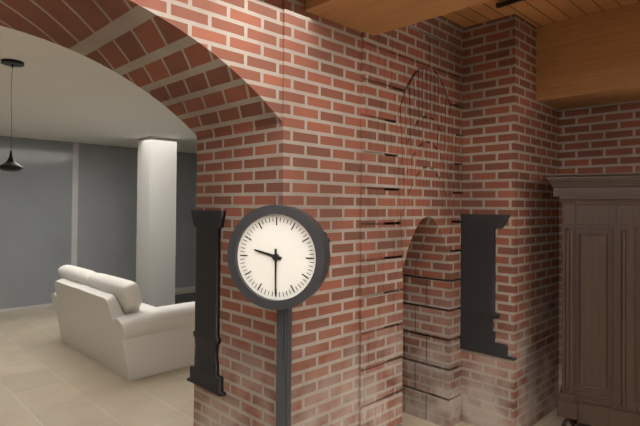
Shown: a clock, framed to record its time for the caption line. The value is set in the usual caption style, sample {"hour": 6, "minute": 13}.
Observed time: {"hour": 9, "minute": 30}
